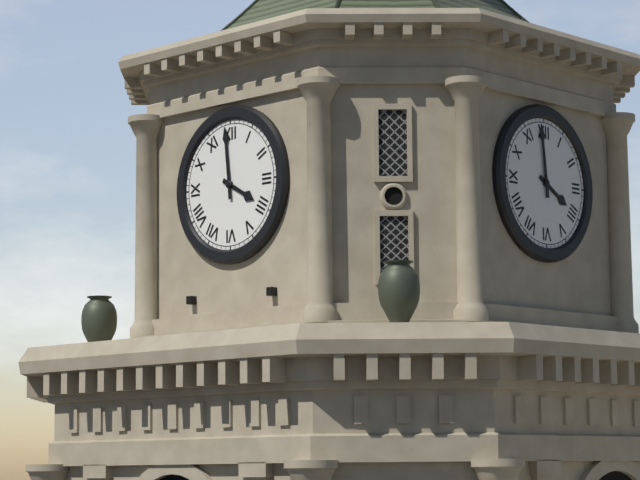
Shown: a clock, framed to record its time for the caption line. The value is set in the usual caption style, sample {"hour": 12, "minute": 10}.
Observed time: {"hour": 3, "minute": 59}
